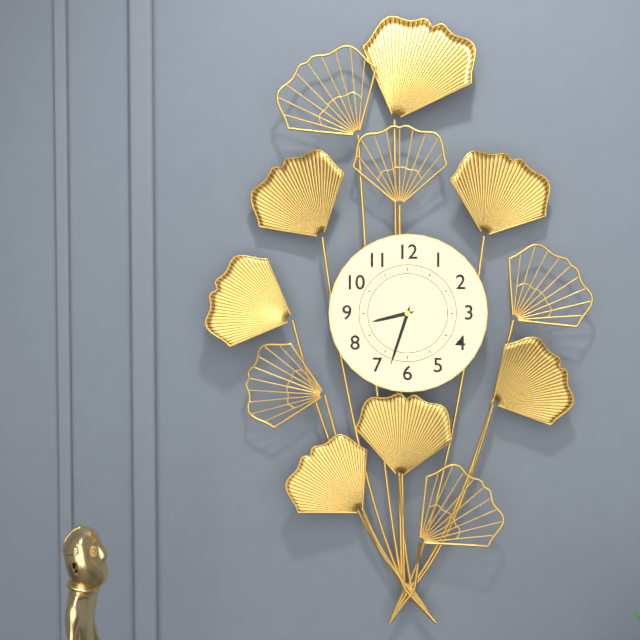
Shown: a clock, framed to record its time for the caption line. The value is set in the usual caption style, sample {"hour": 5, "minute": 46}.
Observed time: {"hour": 8, "minute": 33}
